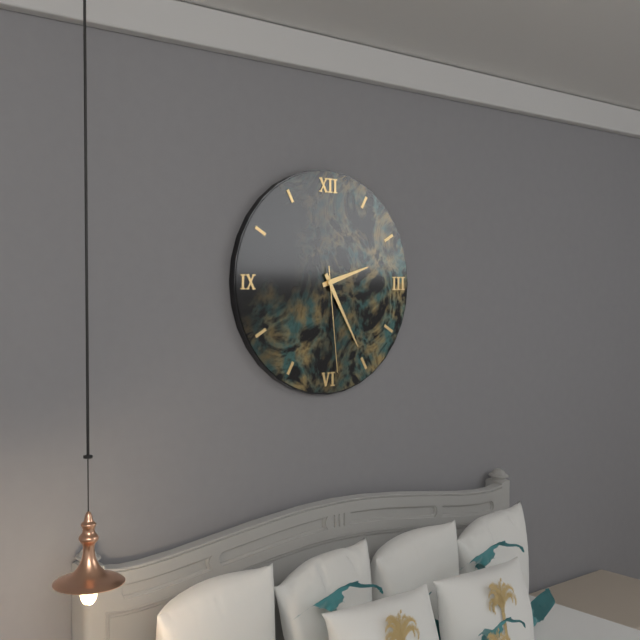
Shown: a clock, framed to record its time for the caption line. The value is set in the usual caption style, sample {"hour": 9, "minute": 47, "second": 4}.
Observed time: {"hour": 2, "minute": 25, "second": 29}
